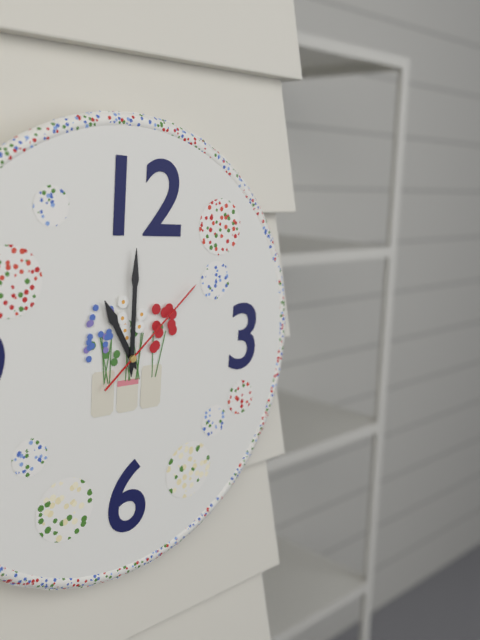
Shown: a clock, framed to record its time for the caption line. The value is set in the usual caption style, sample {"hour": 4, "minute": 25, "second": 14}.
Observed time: {"hour": 11, "minute": 0, "second": 8}
